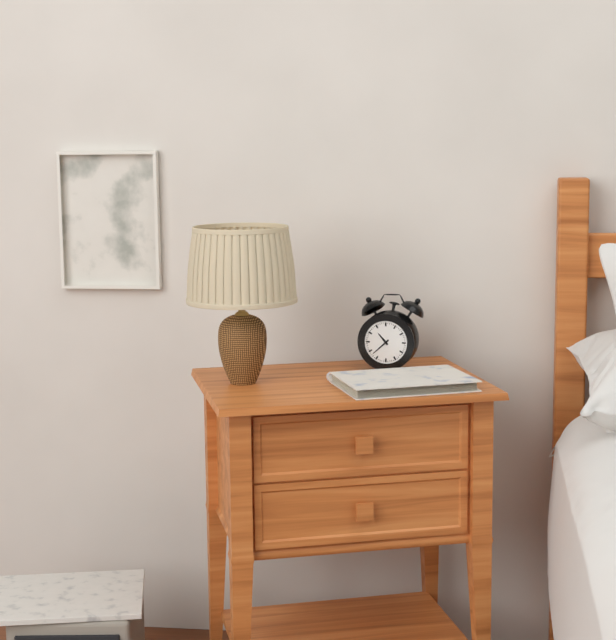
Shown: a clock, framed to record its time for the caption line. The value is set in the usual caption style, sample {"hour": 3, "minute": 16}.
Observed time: {"hour": 10, "minute": 38}
